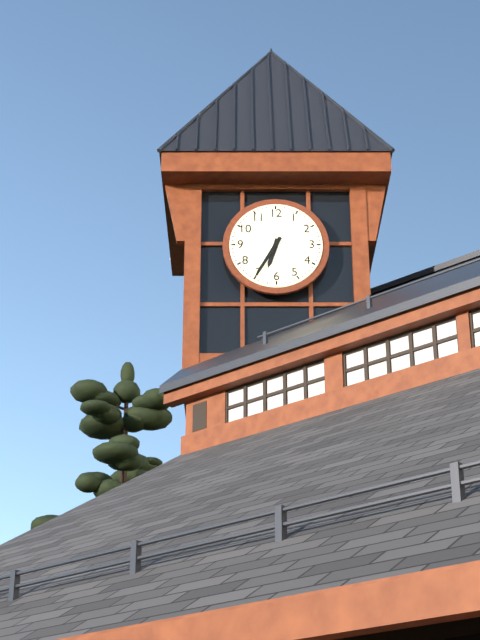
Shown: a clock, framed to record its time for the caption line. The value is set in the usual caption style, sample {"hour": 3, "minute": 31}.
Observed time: {"hour": 6, "minute": 35}
